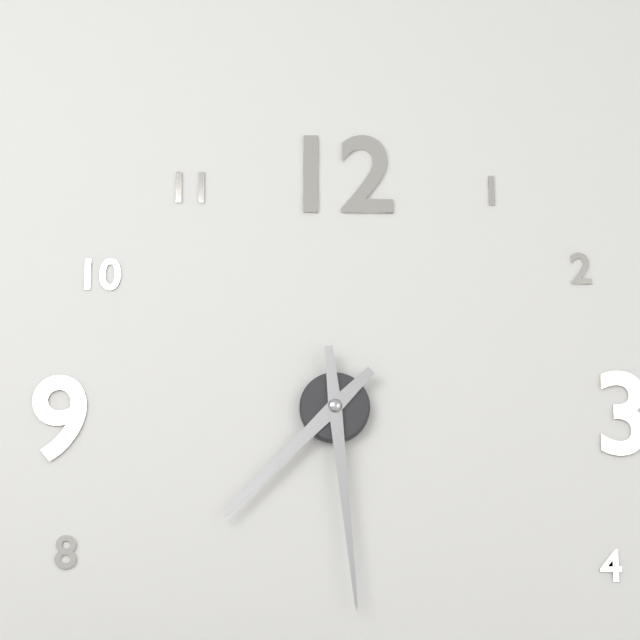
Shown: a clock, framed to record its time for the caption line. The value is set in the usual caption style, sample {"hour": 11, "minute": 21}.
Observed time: {"hour": 7, "minute": 29}
